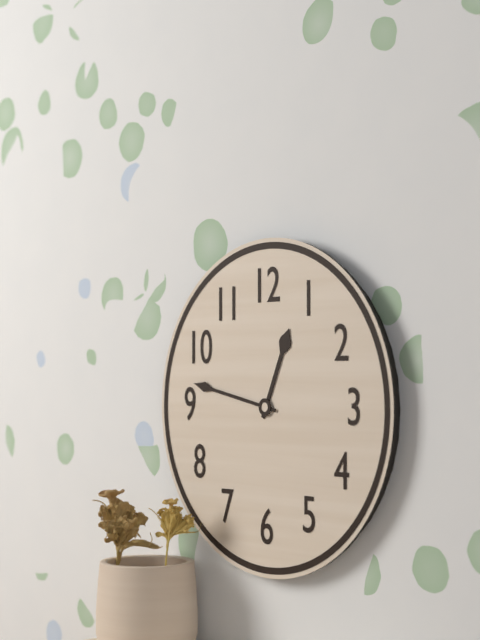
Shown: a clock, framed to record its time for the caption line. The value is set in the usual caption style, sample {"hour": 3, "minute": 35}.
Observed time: {"hour": 12, "minute": 47}
